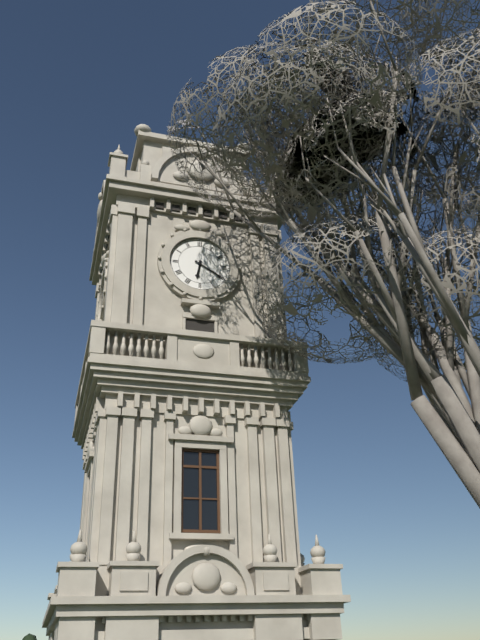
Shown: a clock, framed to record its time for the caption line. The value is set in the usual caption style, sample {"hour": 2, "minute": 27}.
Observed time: {"hour": 6, "minute": 20}
